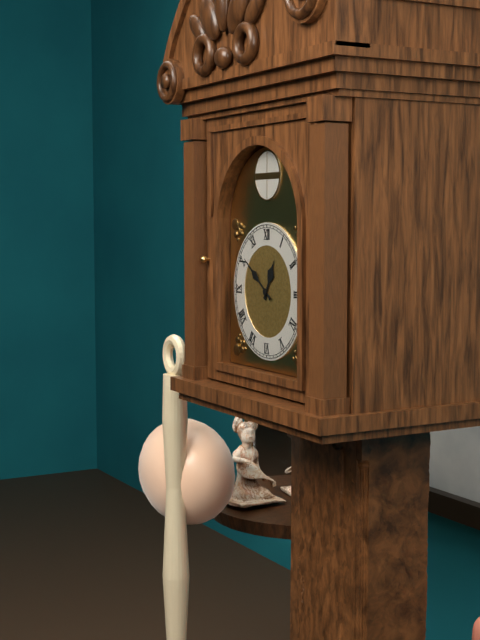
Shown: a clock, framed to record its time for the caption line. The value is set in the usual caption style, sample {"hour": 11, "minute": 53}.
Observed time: {"hour": 12, "minute": 51}
